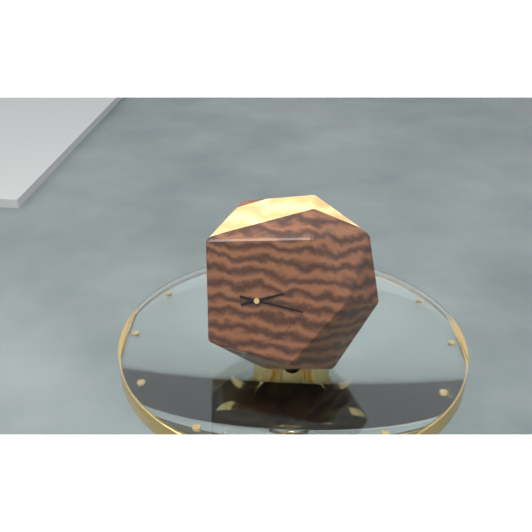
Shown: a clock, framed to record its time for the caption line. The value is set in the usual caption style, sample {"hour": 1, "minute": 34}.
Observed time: {"hour": 2, "minute": 16}
